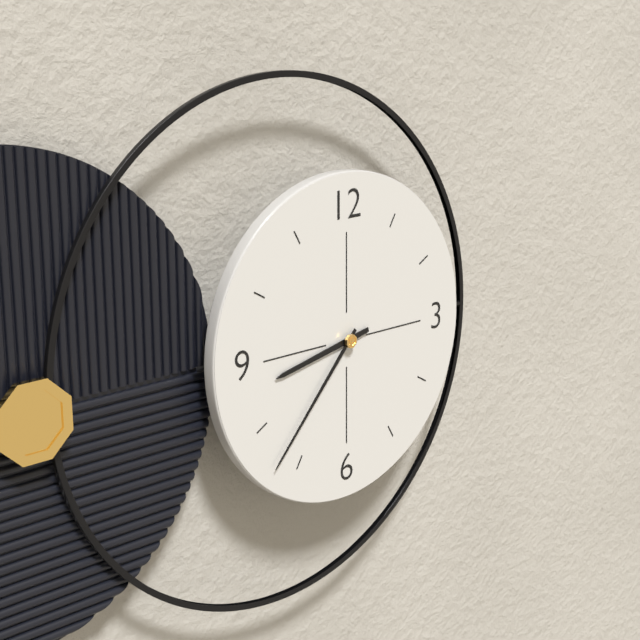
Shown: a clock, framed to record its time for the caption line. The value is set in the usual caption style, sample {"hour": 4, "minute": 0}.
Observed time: {"hour": 8, "minute": 37}
